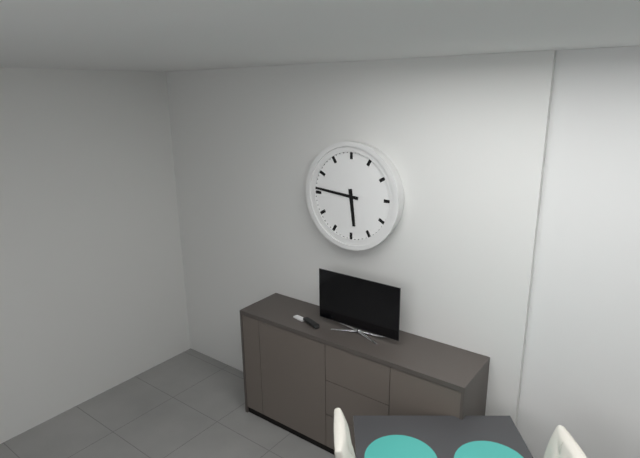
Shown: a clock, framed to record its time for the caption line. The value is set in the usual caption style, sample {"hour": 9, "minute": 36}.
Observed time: {"hour": 5, "minute": 46}
